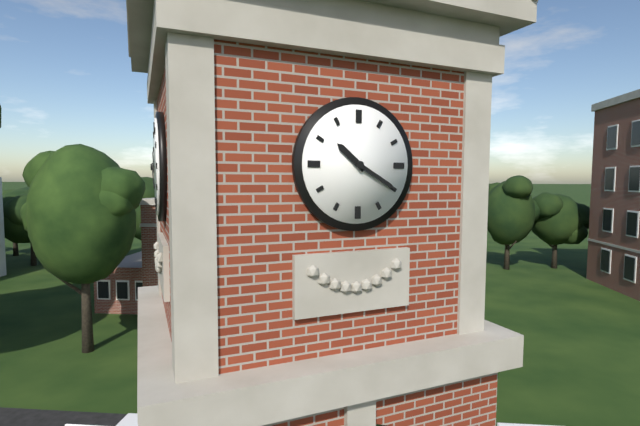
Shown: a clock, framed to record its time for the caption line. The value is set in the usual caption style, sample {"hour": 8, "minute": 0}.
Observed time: {"hour": 10, "minute": 20}
